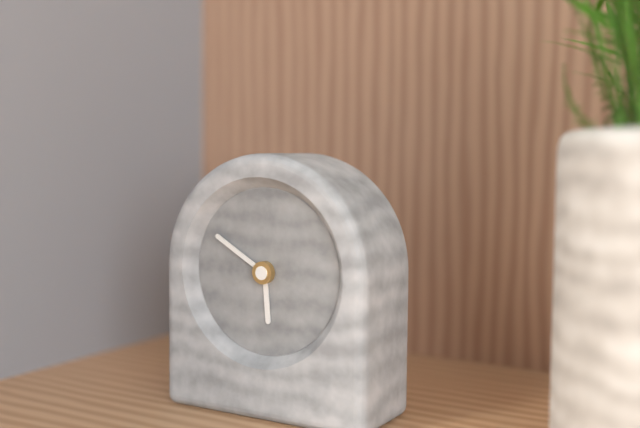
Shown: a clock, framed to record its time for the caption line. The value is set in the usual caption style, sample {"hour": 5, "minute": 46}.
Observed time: {"hour": 5, "minute": 50}
